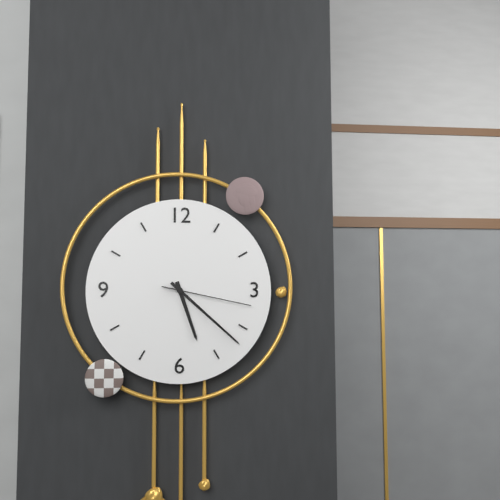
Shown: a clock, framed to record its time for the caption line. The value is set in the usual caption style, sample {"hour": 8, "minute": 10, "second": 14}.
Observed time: {"hour": 5, "minute": 22, "second": 17}
